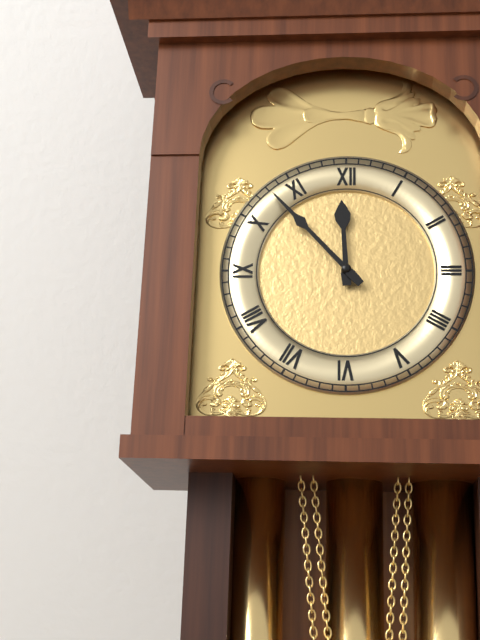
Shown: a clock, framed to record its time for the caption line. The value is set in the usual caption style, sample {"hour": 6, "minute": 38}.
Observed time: {"hour": 11, "minute": 53}
